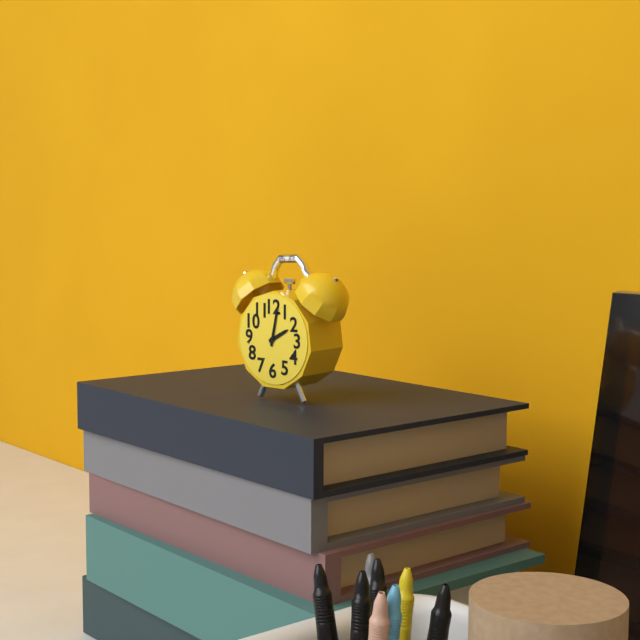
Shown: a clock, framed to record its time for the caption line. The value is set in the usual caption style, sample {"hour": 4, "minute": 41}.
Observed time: {"hour": 2, "minute": 2}
